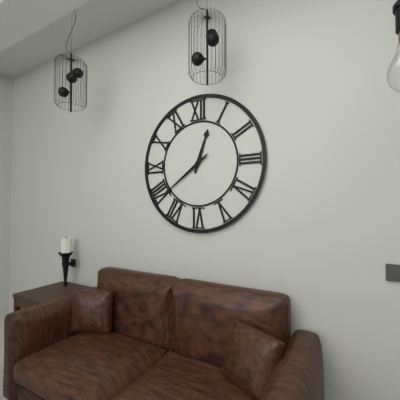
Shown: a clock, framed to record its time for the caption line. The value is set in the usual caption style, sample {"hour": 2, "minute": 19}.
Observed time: {"hour": 12, "minute": 39}
